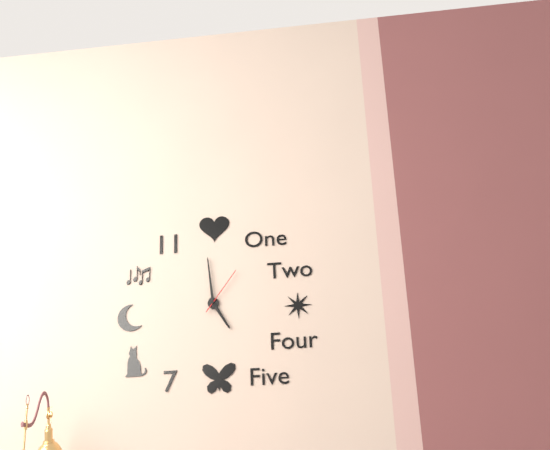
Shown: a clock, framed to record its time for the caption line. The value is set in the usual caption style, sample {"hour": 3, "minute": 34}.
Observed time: {"hour": 4, "minute": 59}
